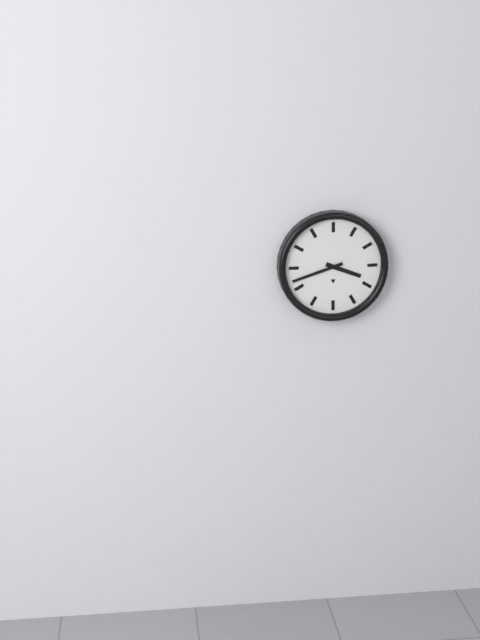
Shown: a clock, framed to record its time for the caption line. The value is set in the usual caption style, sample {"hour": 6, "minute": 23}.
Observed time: {"hour": 3, "minute": 42}
